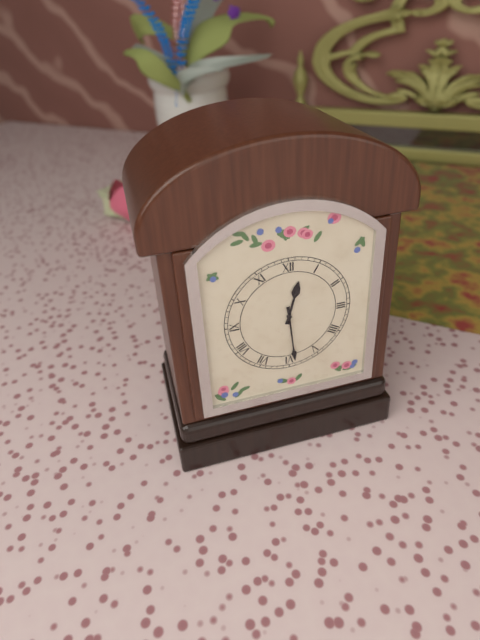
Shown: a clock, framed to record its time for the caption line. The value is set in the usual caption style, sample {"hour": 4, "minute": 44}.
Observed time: {"hour": 12, "minute": 29}
